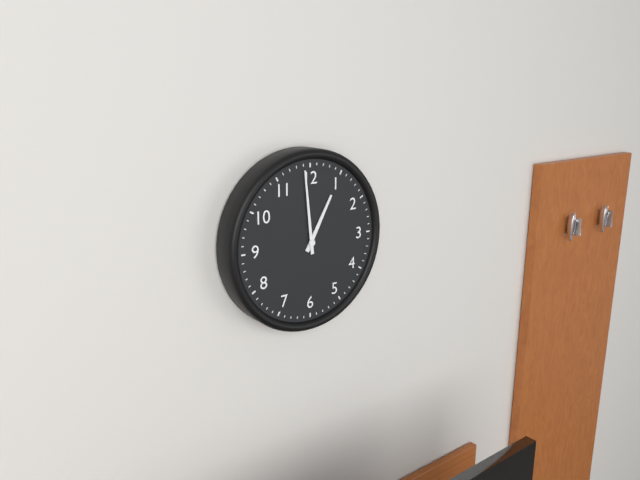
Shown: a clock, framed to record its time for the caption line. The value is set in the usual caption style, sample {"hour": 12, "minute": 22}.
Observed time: {"hour": 12, "minute": 59}
